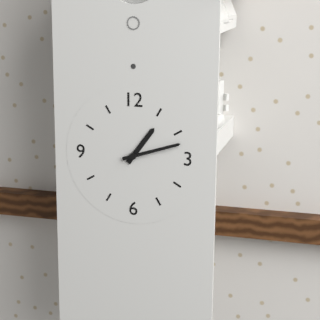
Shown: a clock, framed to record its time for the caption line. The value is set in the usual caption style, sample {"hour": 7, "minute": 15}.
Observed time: {"hour": 1, "minute": 12}
